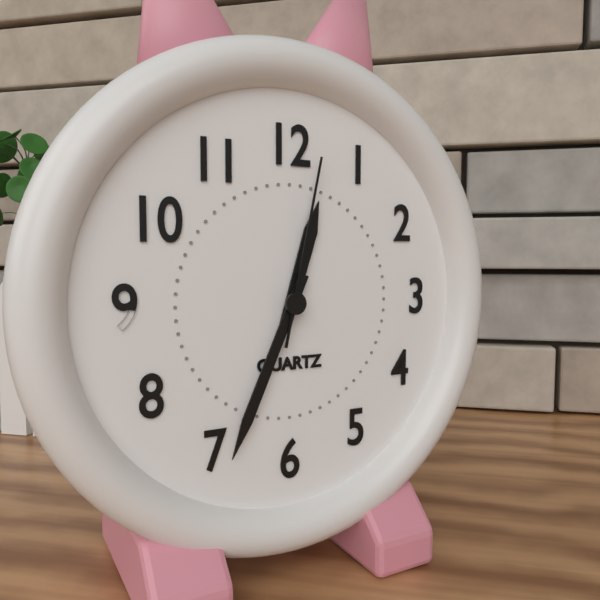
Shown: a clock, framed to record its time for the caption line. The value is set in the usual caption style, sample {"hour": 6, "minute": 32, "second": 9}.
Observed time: {"hour": 12, "minute": 34, "second": 2}
